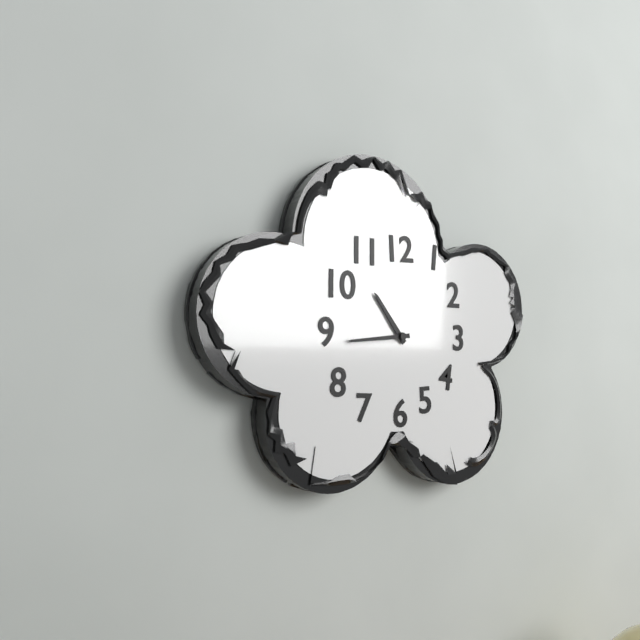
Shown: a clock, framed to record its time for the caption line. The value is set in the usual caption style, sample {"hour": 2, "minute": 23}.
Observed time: {"hour": 10, "minute": 44}
